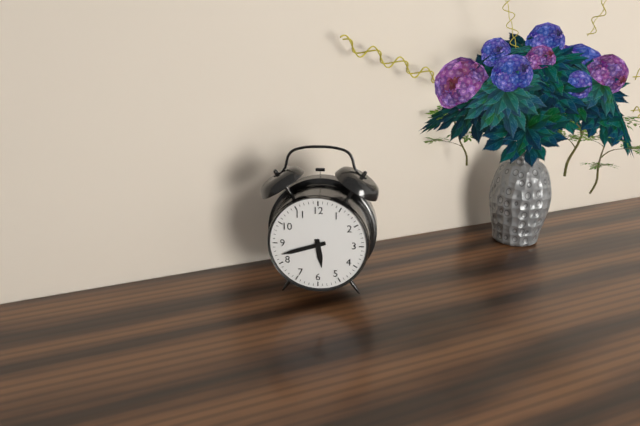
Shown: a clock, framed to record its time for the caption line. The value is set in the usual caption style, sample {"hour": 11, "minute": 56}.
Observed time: {"hour": 5, "minute": 42}
